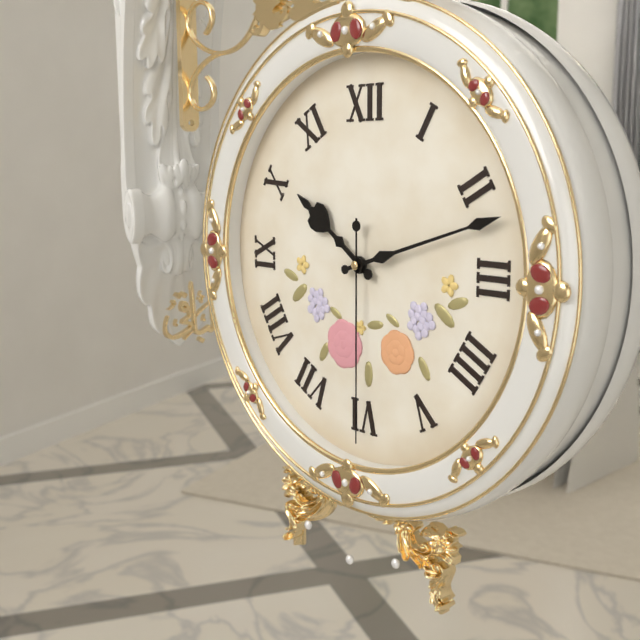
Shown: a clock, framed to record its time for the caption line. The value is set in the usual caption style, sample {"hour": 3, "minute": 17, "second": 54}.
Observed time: {"hour": 10, "minute": 12, "second": 30}
